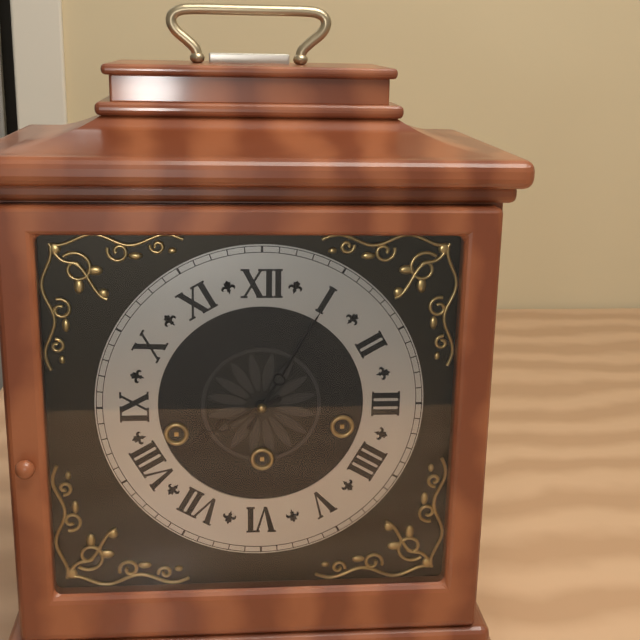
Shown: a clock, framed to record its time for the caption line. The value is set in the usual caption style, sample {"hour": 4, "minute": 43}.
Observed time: {"hour": 8, "minute": 5}
